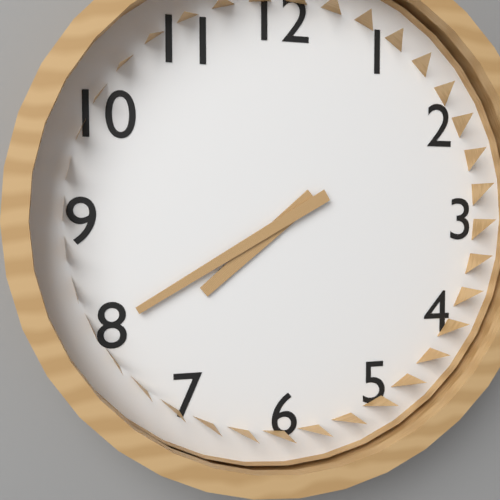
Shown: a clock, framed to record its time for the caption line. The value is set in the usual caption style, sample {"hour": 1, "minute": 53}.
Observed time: {"hour": 7, "minute": 40}
